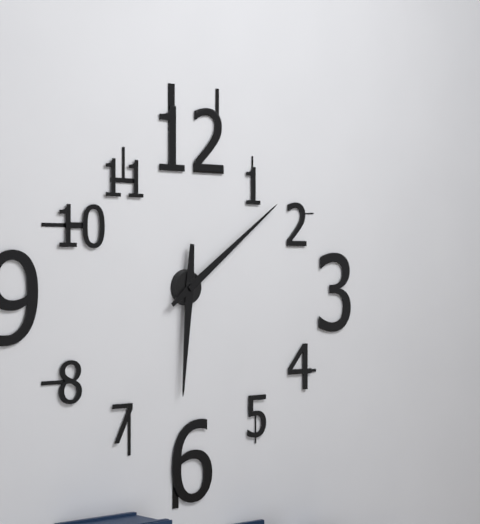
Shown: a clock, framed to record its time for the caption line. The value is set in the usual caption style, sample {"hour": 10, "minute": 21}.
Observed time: {"hour": 6, "minute": 9}
